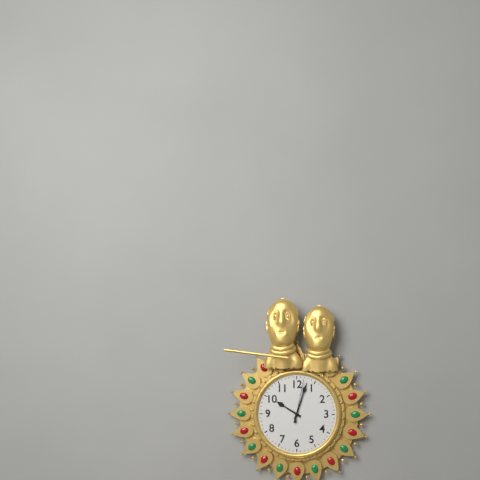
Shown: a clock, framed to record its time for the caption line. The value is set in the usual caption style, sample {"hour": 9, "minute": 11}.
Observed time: {"hour": 10, "minute": 3}
